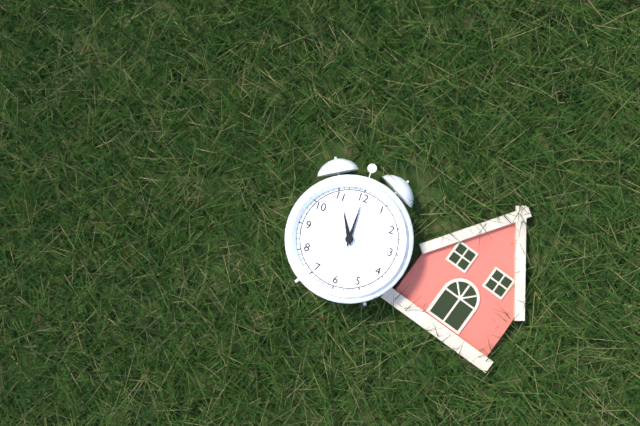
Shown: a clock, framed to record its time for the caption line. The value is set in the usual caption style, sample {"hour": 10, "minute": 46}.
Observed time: {"hour": 11, "minute": 0}
